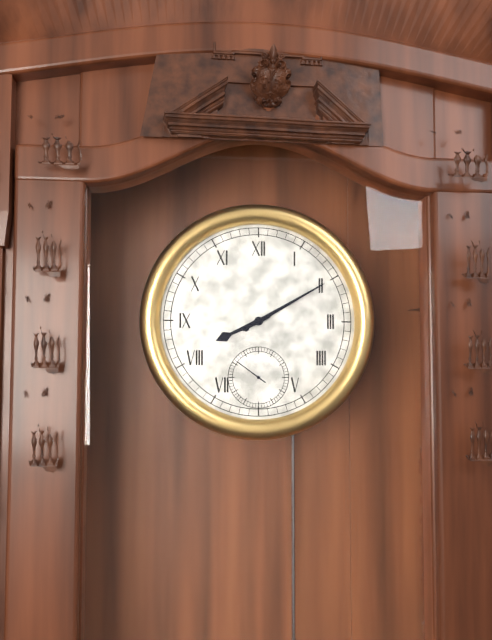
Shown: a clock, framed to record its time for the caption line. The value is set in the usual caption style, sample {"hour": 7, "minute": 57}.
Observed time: {"hour": 8, "minute": 10}
